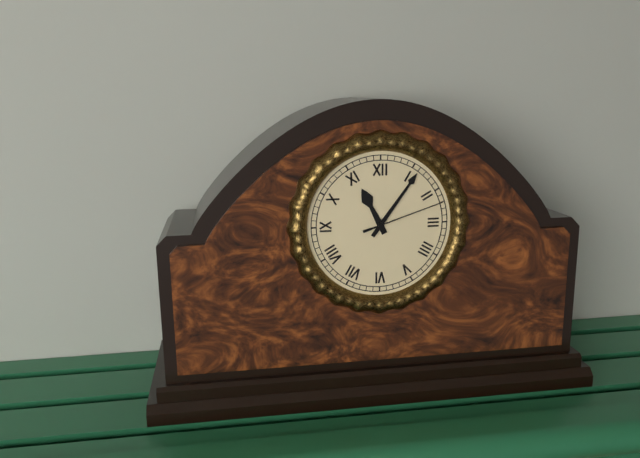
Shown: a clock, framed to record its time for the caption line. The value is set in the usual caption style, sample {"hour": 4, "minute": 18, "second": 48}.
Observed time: {"hour": 11, "minute": 6, "second": 12}
